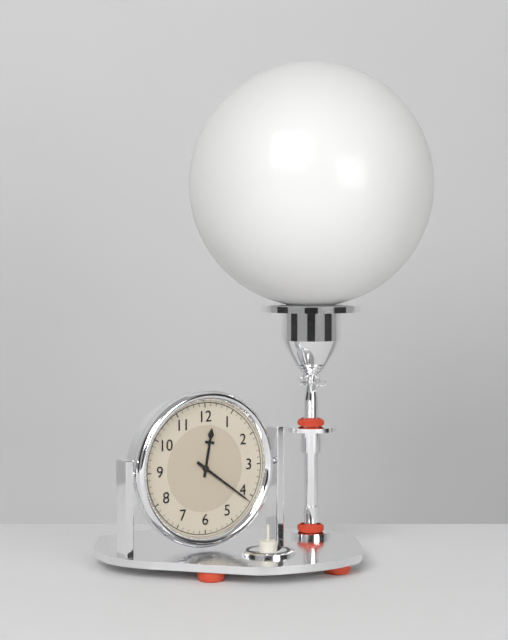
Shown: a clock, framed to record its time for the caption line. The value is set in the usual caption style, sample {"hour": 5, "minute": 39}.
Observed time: {"hour": 12, "minute": 21}
